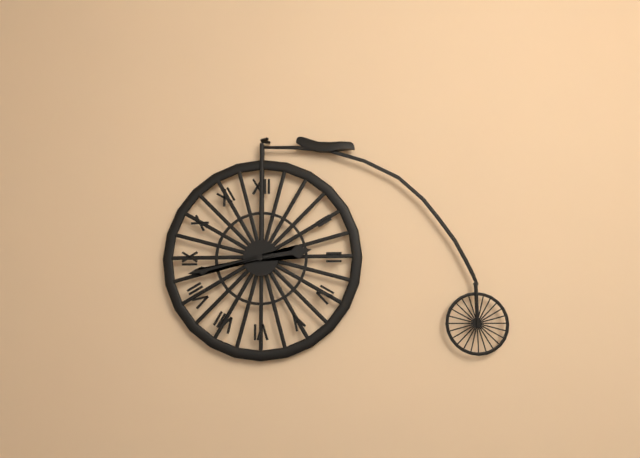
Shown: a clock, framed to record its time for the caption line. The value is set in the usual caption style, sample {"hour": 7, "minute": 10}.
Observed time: {"hour": 2, "minute": 43}
